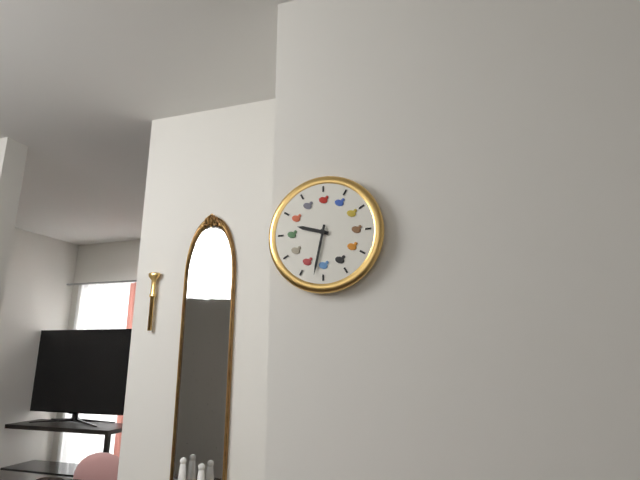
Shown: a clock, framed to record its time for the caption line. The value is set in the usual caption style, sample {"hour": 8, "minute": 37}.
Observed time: {"hour": 9, "minute": 32}
